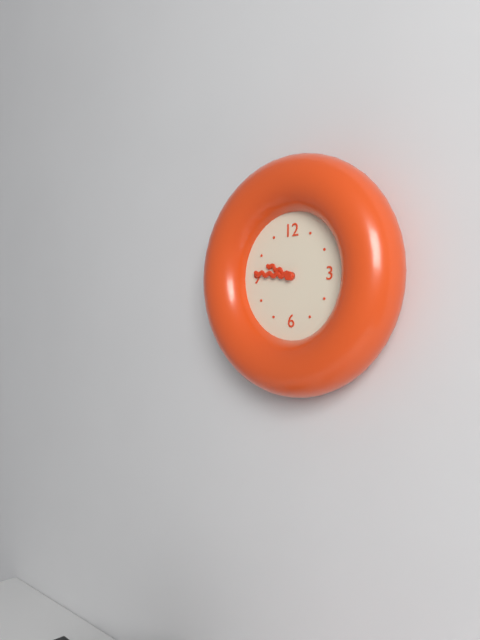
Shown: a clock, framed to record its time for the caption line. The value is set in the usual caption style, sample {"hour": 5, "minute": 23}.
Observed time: {"hour": 9, "minute": 46}
